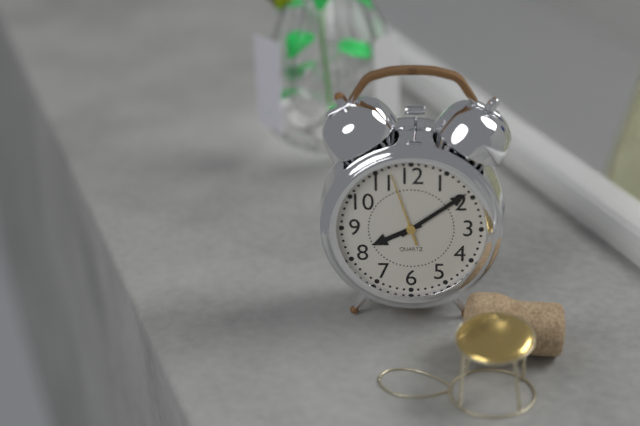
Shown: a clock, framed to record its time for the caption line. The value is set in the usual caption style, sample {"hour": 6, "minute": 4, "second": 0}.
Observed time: {"hour": 8, "minute": 9, "second": 57}
